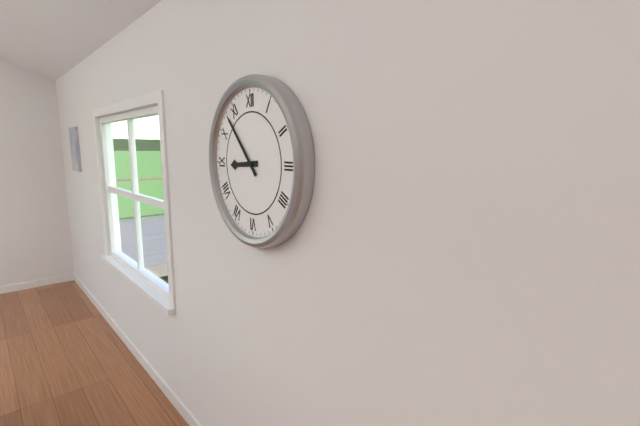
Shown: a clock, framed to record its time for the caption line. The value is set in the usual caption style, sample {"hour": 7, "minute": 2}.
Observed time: {"hour": 8, "minute": 53}
